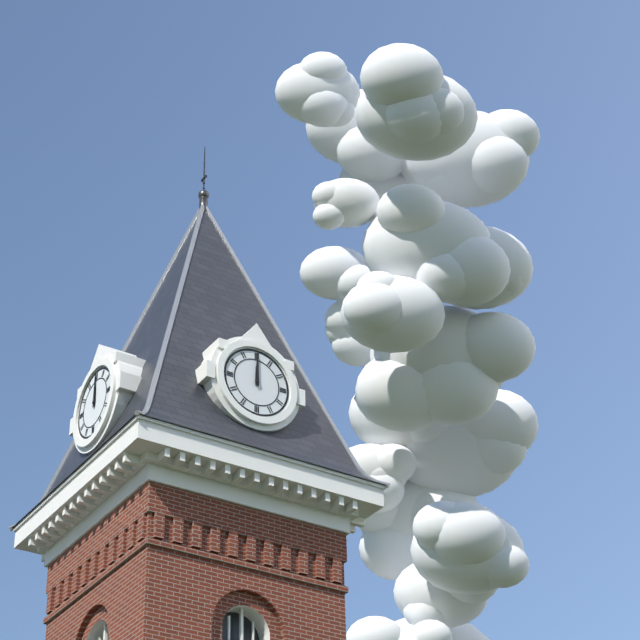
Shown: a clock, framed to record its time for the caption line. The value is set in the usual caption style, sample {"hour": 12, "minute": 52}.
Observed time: {"hour": 12, "minute": 0}
